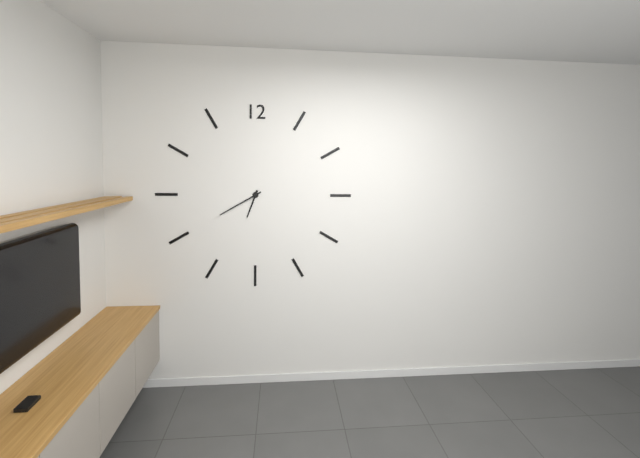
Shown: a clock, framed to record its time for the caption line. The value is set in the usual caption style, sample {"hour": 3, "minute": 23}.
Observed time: {"hour": 6, "minute": 40}
